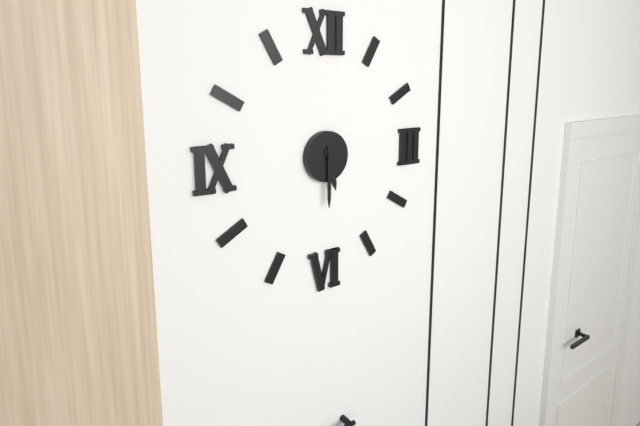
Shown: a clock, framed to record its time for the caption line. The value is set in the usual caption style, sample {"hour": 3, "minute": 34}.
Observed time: {"hour": 5, "minute": 30}
